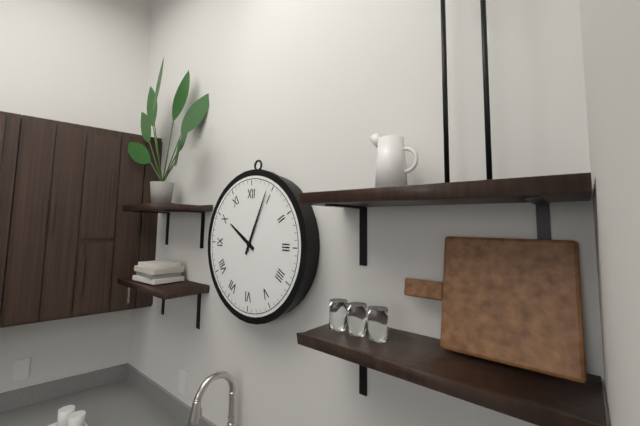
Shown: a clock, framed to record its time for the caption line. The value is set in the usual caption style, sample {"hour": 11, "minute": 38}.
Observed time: {"hour": 10, "minute": 4}
